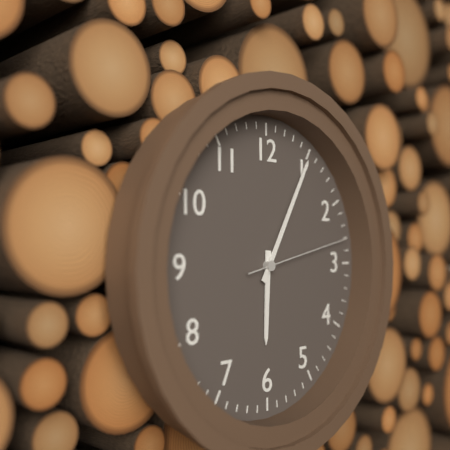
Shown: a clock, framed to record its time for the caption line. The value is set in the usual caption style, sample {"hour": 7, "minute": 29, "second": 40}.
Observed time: {"hour": 6, "minute": 5, "second": 13}
